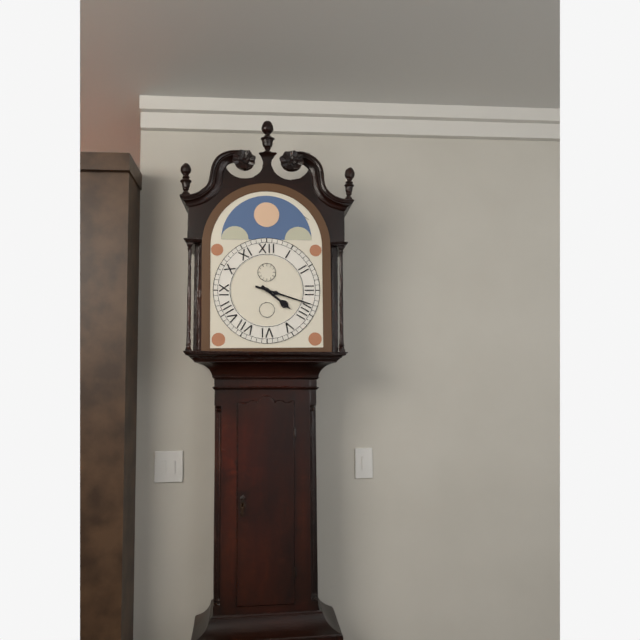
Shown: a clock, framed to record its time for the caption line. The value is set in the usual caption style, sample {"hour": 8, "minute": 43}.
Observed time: {"hour": 4, "minute": 18}
